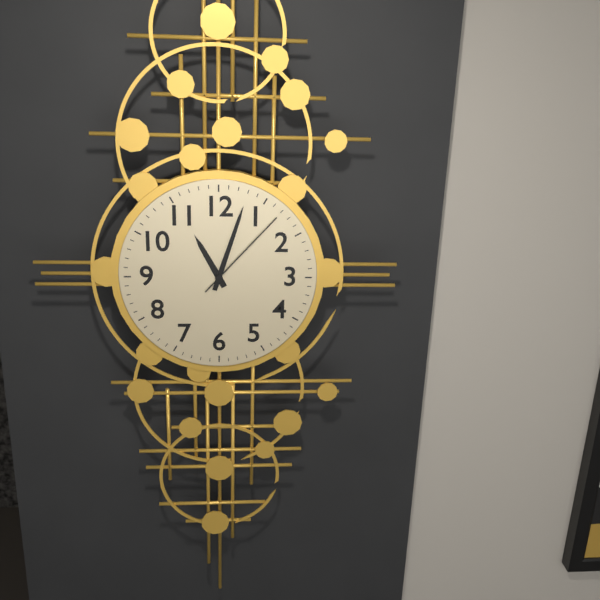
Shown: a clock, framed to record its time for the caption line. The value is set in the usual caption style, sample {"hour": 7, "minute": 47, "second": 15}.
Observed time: {"hour": 11, "minute": 3, "second": 7}
